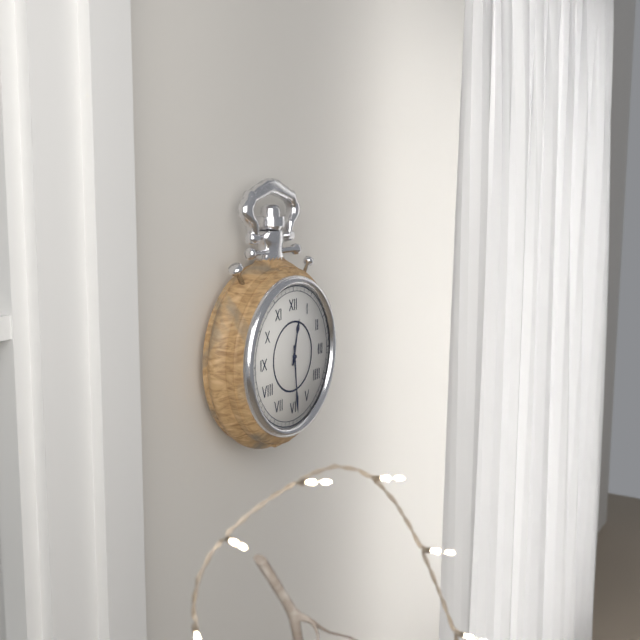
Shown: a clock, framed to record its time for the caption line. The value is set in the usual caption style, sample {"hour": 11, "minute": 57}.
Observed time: {"hour": 12, "minute": 29}
